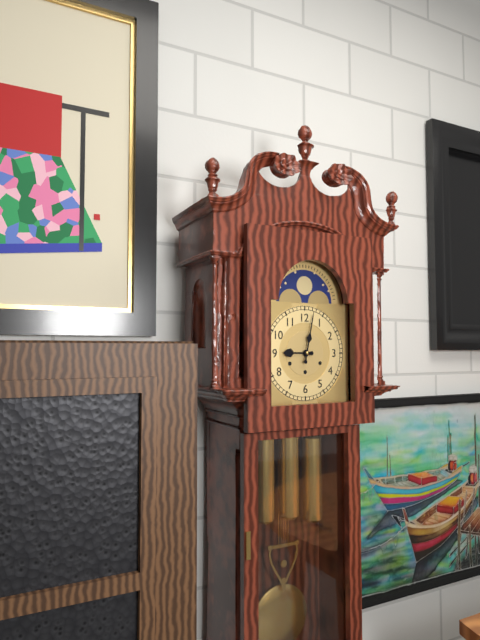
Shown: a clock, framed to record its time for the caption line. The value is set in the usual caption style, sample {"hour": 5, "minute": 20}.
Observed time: {"hour": 9, "minute": 2}
